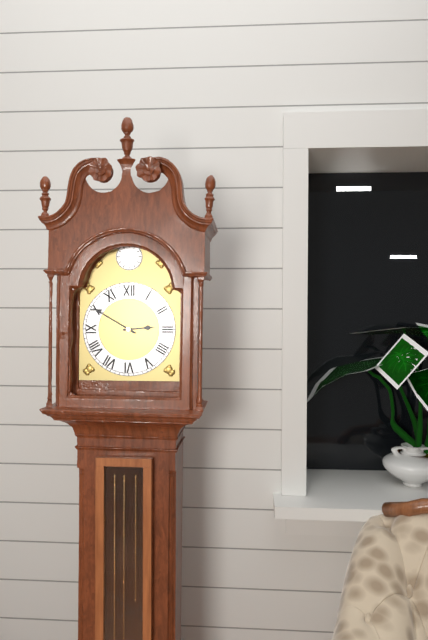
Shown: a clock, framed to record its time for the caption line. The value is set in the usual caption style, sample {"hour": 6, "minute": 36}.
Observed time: {"hour": 2, "minute": 50}
